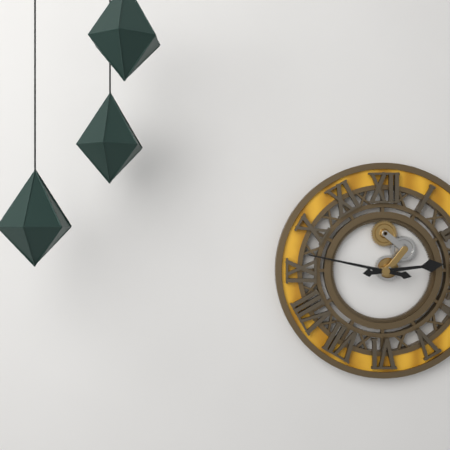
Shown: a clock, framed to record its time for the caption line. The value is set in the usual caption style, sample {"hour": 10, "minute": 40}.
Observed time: {"hour": 2, "minute": 47}
